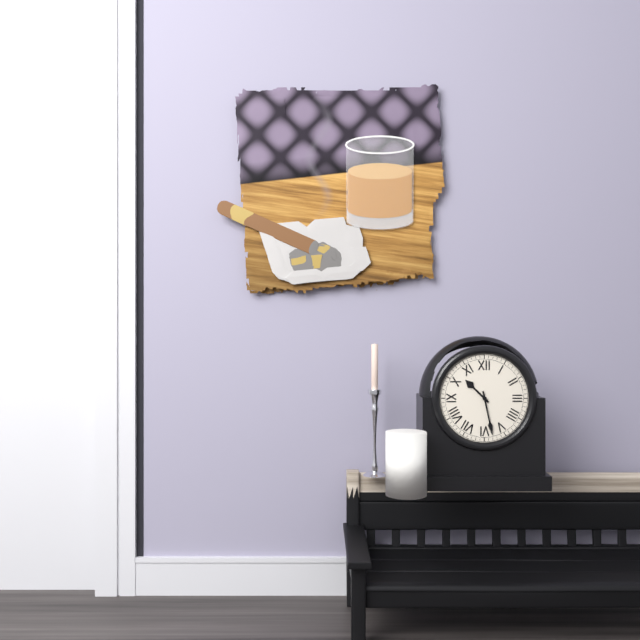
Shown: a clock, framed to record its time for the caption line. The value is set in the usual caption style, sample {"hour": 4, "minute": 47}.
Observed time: {"hour": 10, "minute": 28}
